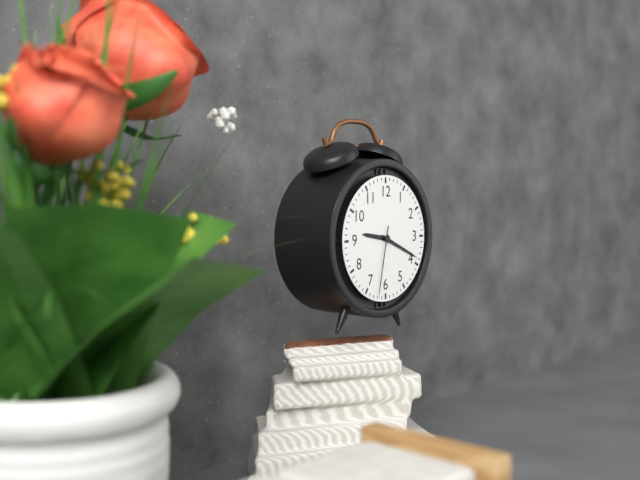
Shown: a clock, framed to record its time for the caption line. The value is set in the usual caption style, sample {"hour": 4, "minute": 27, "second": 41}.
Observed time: {"hour": 9, "minute": 19, "second": 32}
